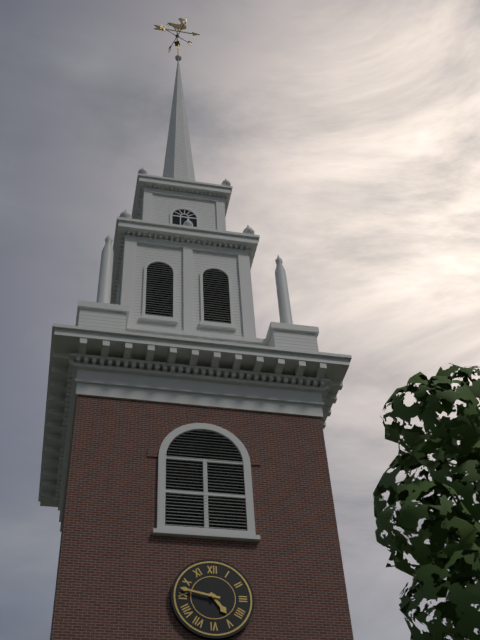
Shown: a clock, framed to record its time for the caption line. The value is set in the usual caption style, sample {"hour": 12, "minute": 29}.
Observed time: {"hour": 4, "minute": 47}
